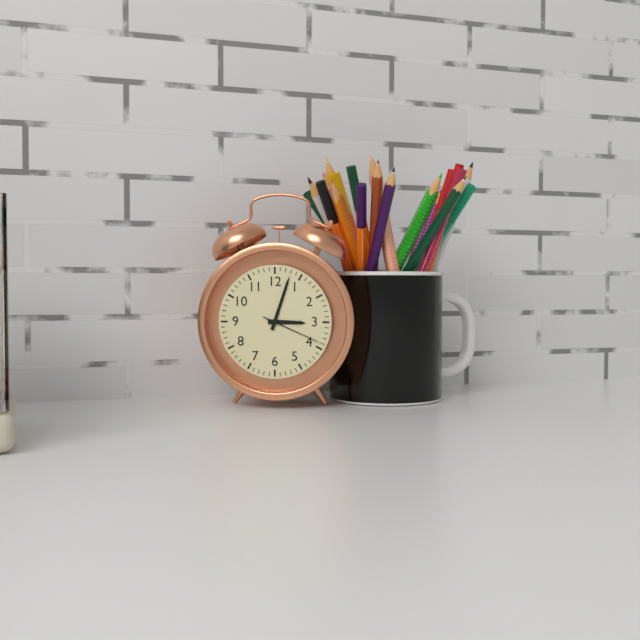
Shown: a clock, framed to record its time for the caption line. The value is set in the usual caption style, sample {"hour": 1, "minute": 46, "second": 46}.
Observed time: {"hour": 3, "minute": 3, "second": 19}
